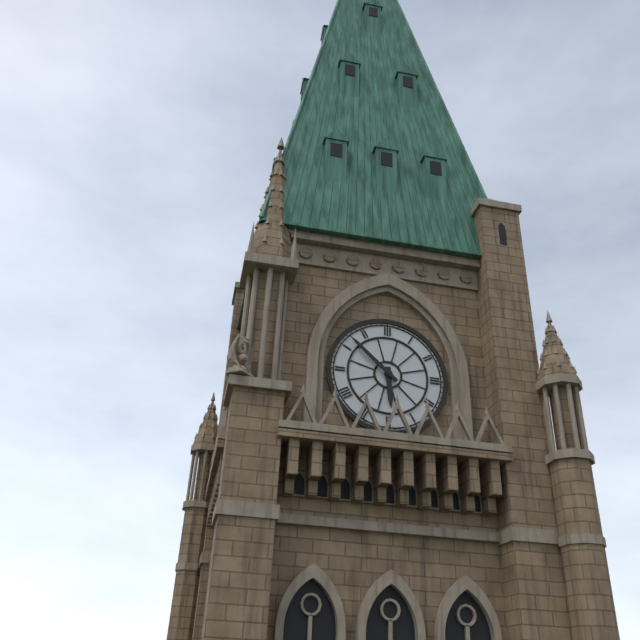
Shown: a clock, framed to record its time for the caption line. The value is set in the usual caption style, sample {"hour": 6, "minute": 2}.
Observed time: {"hour": 5, "minute": 52}
